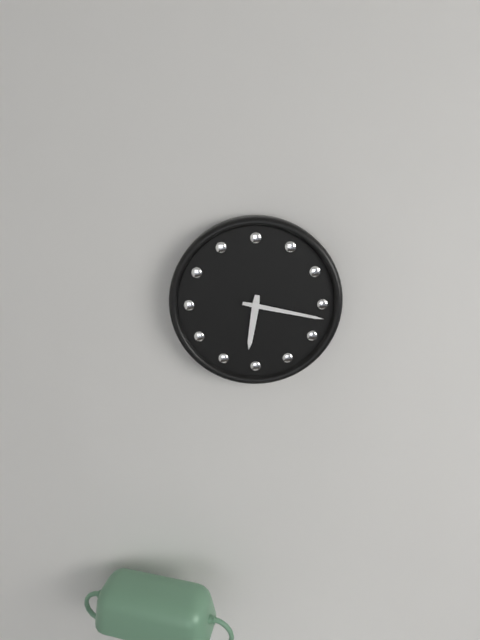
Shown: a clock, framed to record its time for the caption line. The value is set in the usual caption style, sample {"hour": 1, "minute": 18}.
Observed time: {"hour": 6, "minute": 17}
